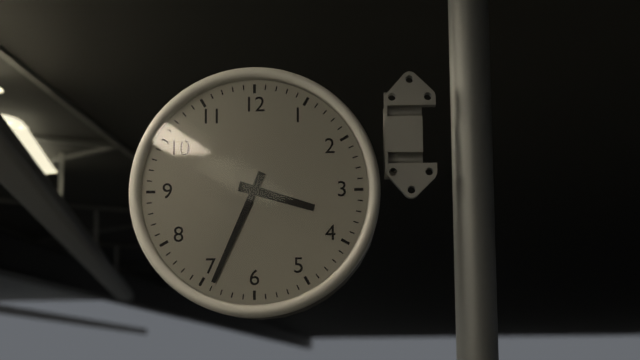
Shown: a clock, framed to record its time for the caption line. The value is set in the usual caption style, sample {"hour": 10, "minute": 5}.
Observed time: {"hour": 3, "minute": 34}
